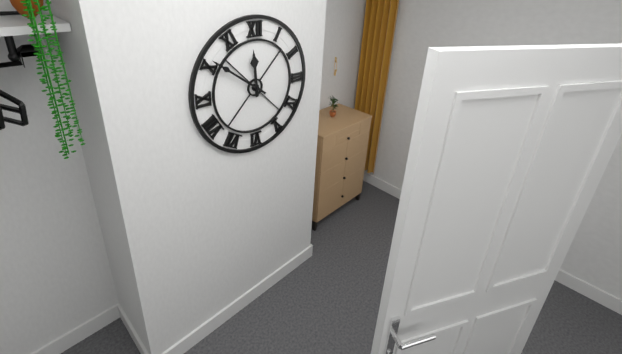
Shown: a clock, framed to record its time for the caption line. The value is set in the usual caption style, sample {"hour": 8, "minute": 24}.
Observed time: {"hour": 11, "minute": 51}
